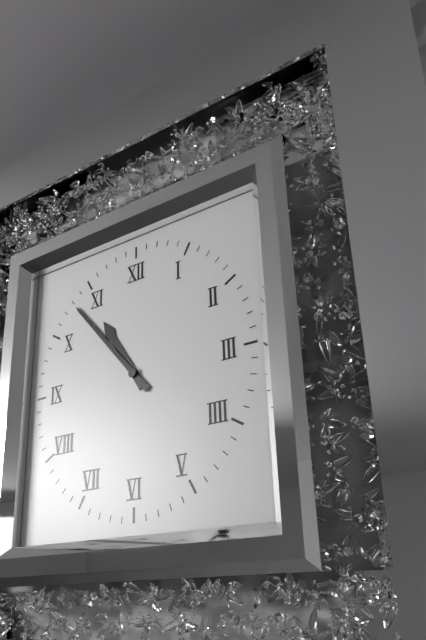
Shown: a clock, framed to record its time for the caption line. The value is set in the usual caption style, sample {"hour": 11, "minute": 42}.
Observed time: {"hour": 10, "minute": 53}
